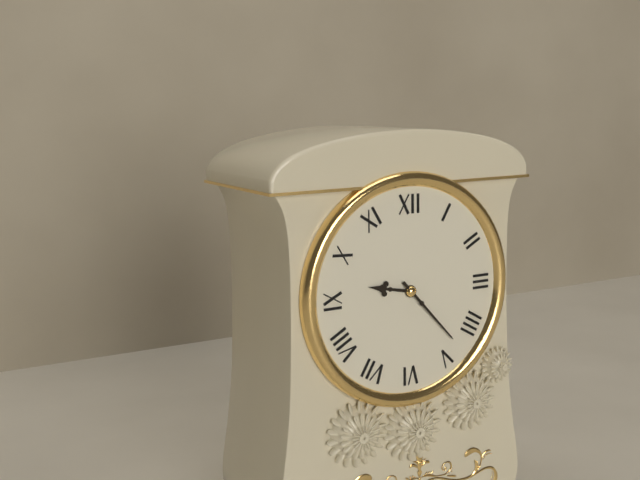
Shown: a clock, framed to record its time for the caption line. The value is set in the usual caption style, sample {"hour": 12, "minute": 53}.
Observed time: {"hour": 9, "minute": 23}
